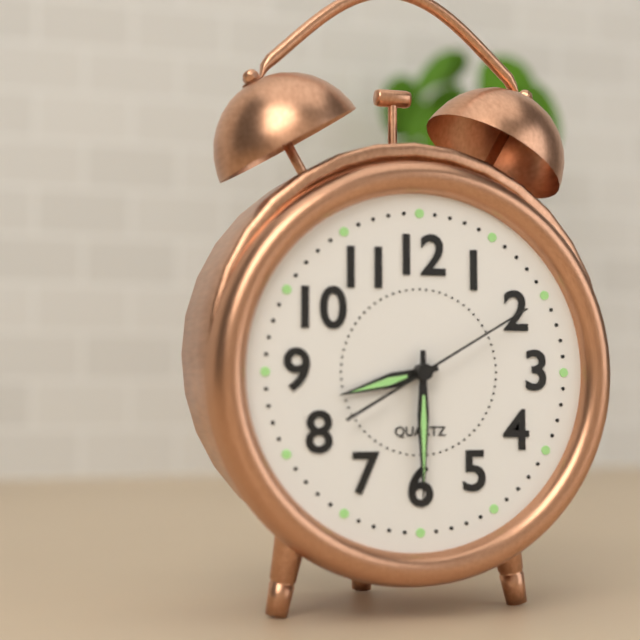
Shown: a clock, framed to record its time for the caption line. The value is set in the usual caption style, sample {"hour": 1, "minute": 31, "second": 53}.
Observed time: {"hour": 8, "minute": 30, "second": 10}
